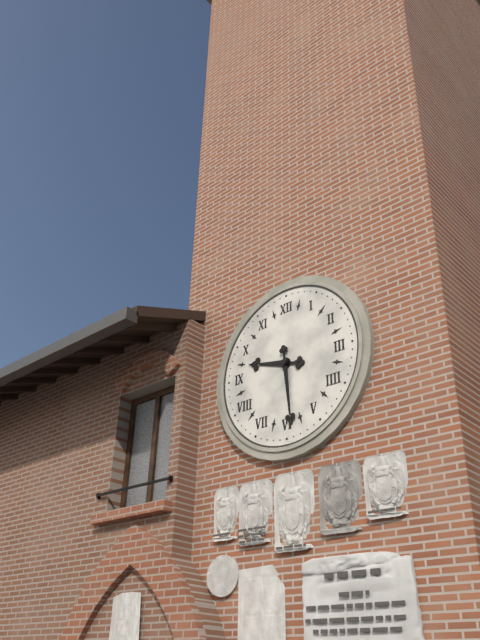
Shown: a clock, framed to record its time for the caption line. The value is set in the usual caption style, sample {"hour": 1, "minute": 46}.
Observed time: {"hour": 9, "minute": 29}
